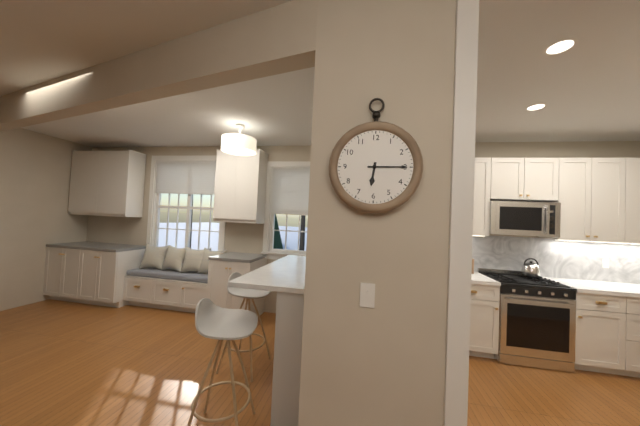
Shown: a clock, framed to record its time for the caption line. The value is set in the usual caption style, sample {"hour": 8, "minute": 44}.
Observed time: {"hour": 6, "minute": 15}
